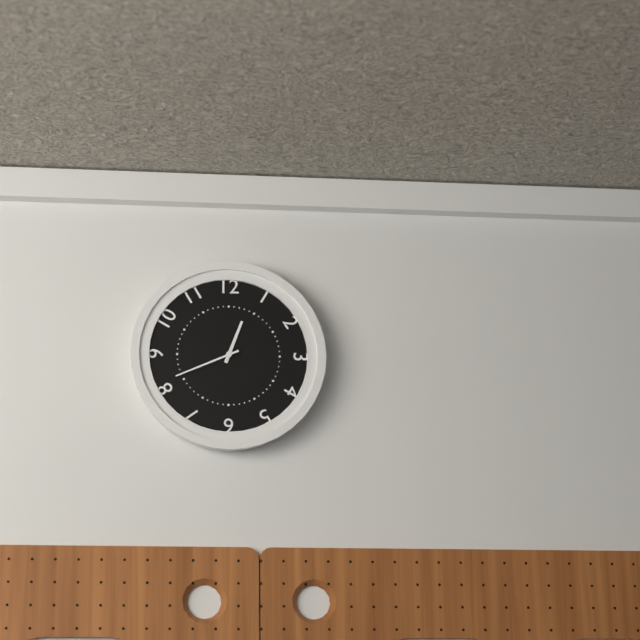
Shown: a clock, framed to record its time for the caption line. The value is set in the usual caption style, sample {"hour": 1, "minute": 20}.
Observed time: {"hour": 12, "minute": 41}
